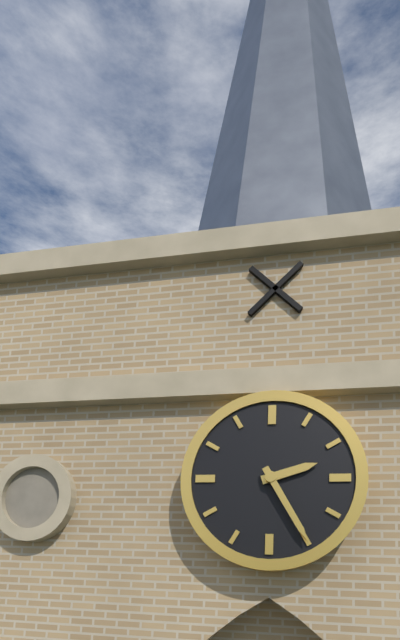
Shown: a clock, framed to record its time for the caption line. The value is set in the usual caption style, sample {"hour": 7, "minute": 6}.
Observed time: {"hour": 2, "minute": 25}
